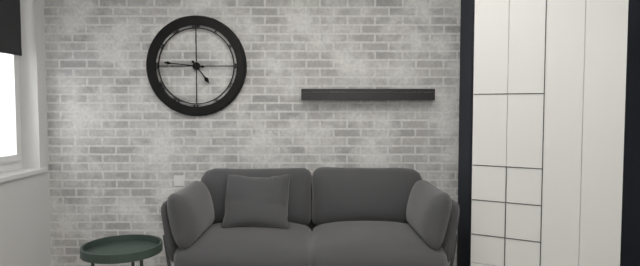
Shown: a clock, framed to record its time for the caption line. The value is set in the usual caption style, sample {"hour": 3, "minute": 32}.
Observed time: {"hour": 4, "minute": 46}
